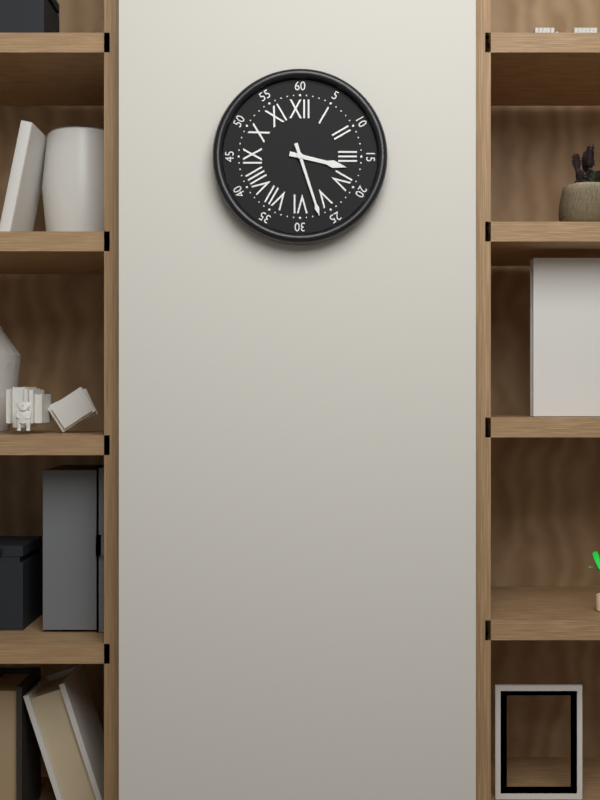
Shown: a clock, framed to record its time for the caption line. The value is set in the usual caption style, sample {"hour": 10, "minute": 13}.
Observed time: {"hour": 3, "minute": 27}
